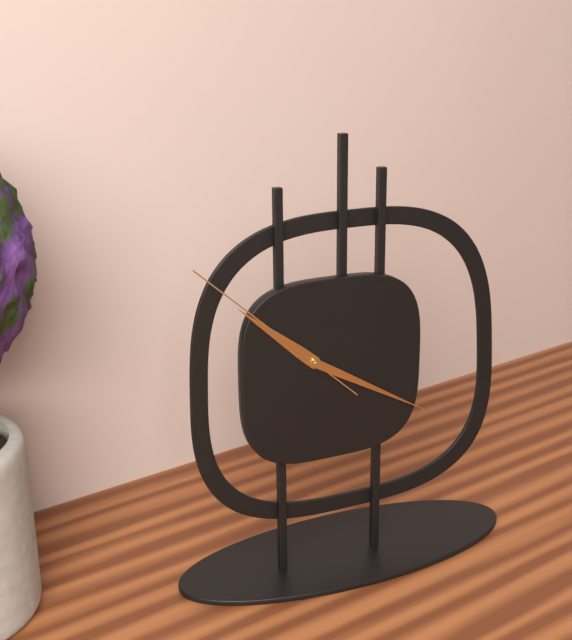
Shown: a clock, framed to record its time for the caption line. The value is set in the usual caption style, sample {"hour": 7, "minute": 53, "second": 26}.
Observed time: {"hour": 10, "minute": 20, "second": 52}
